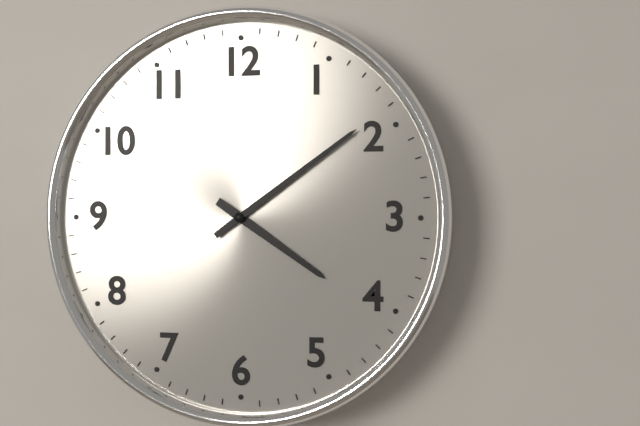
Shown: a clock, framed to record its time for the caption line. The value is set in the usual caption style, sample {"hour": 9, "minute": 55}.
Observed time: {"hour": 4, "minute": 9}
